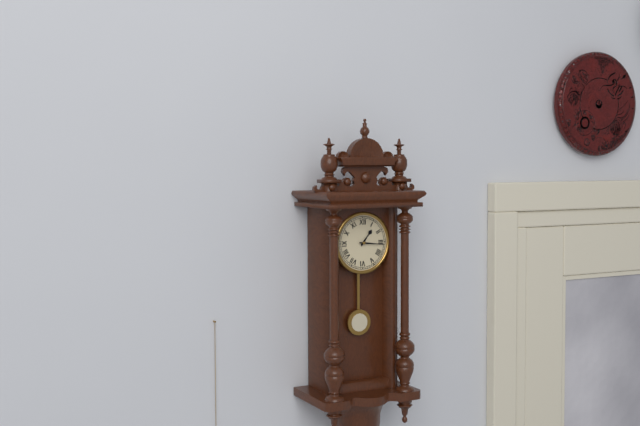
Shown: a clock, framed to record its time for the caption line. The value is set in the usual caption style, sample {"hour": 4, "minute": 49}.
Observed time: {"hour": 1, "minute": 16}
